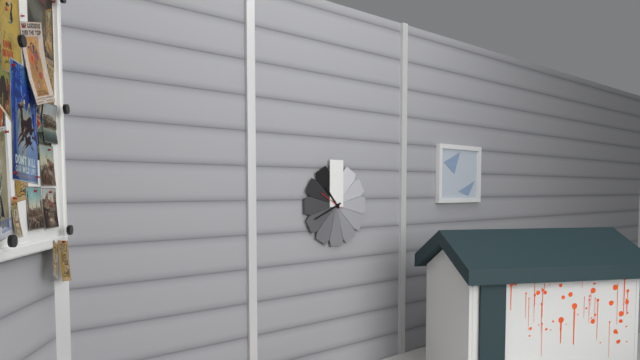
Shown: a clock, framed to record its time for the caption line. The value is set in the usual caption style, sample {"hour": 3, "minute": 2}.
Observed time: {"hour": 10, "minute": 41}
